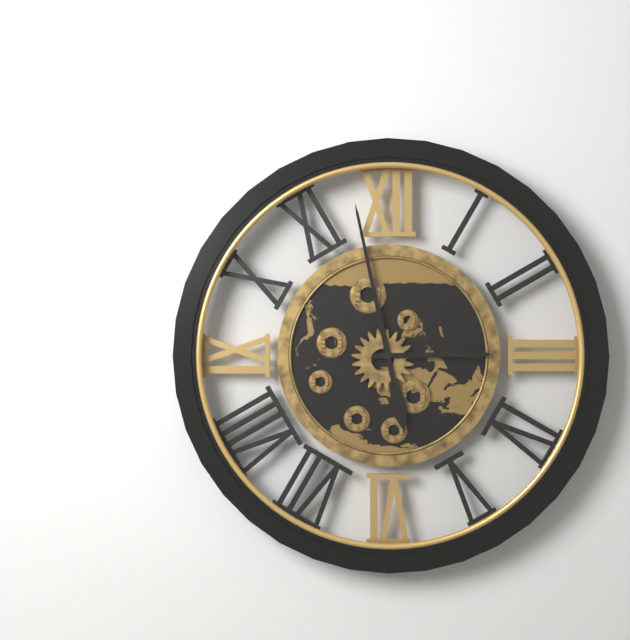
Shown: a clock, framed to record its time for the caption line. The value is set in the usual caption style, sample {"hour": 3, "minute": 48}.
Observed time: {"hour": 2, "minute": 58}
